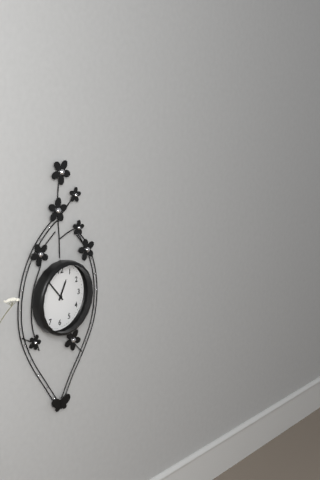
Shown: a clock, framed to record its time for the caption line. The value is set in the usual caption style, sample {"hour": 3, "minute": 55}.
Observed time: {"hour": 12, "minute": 53}
